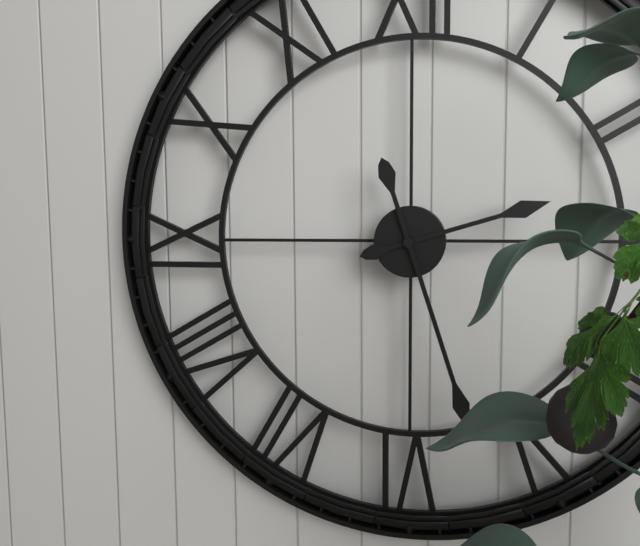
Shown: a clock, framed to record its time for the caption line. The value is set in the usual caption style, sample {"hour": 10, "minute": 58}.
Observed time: {"hour": 2, "minute": 27}
